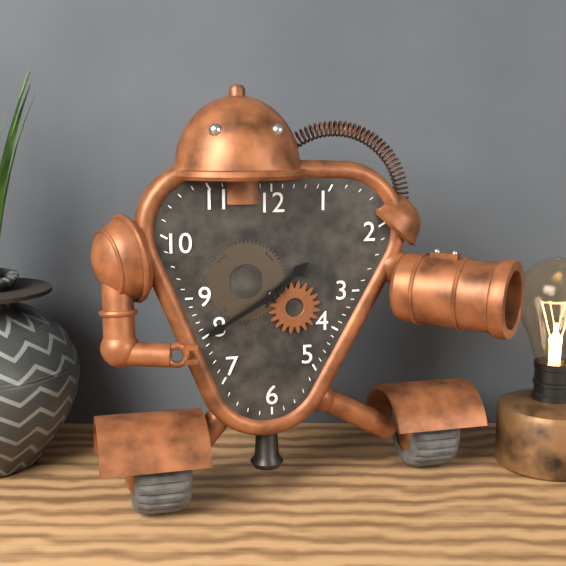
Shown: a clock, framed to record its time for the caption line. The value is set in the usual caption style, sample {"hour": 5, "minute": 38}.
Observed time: {"hour": 1, "minute": 40}
